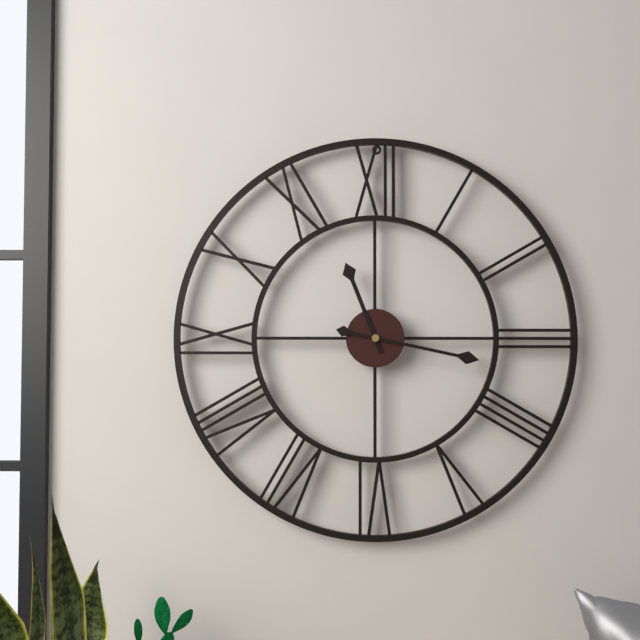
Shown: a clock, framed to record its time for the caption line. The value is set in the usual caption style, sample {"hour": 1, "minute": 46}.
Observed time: {"hour": 11, "minute": 17}
